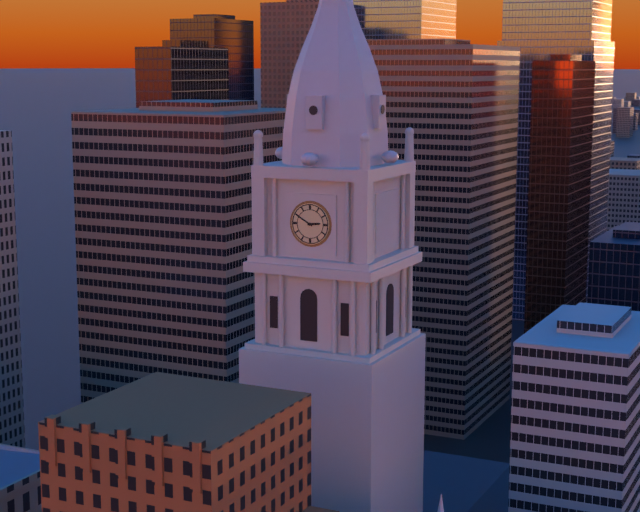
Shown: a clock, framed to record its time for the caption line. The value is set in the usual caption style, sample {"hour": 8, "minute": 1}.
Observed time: {"hour": 2, "minute": 50}
